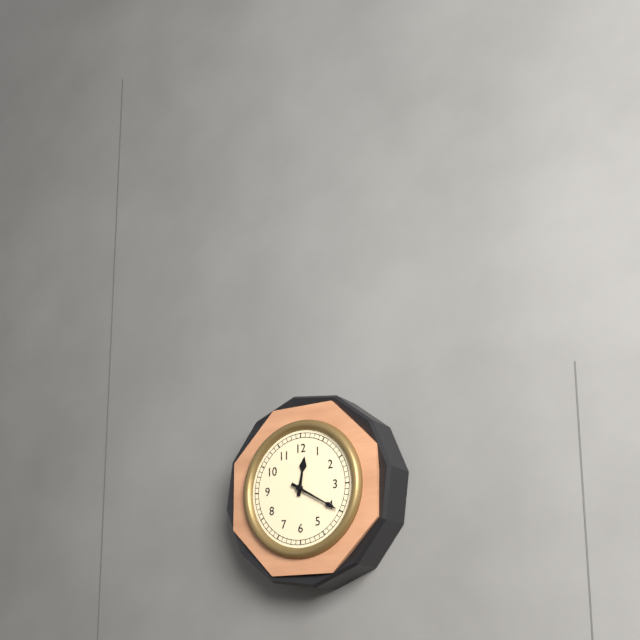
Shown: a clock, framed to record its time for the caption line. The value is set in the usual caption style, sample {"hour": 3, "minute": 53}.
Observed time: {"hour": 12, "minute": 20}
